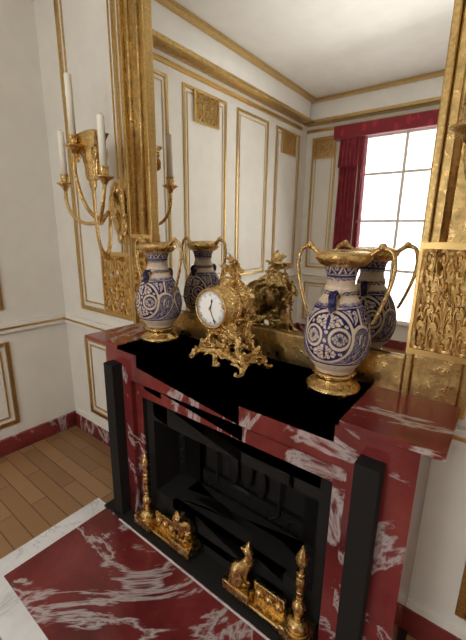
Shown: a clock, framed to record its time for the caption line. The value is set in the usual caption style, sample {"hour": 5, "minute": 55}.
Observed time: {"hour": 12, "minute": 26}
